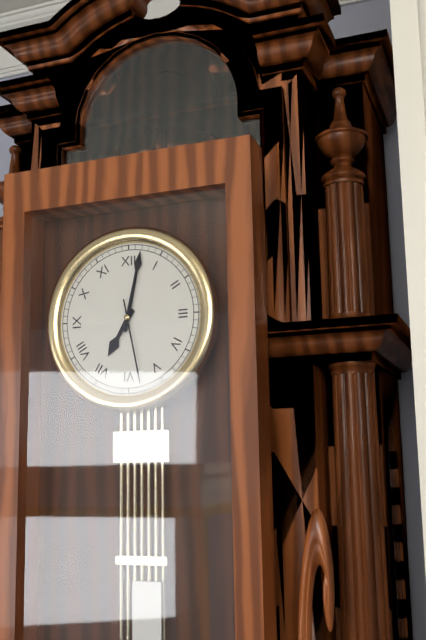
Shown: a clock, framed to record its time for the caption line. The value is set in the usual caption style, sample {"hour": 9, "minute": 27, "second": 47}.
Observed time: {"hour": 7, "minute": 2, "second": 28}
